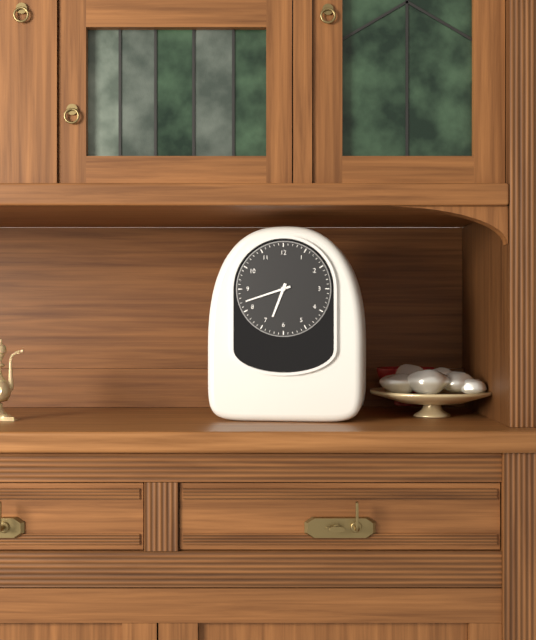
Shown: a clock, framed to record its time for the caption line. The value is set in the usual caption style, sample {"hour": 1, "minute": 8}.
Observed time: {"hour": 6, "minute": 42}
